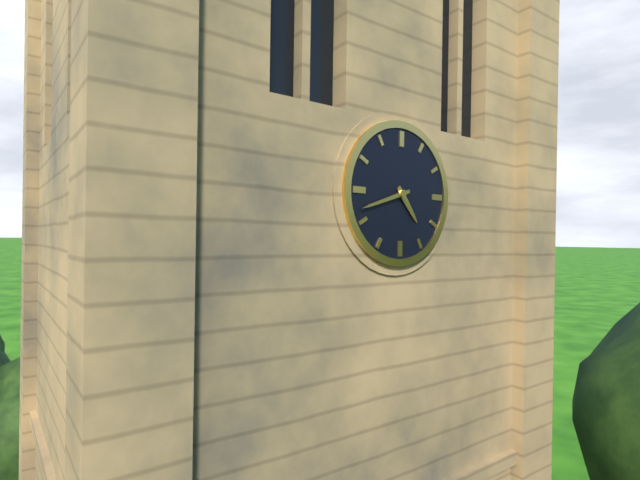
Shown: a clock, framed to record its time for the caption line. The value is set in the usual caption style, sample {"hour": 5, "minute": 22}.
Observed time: {"hour": 4, "minute": 42}
